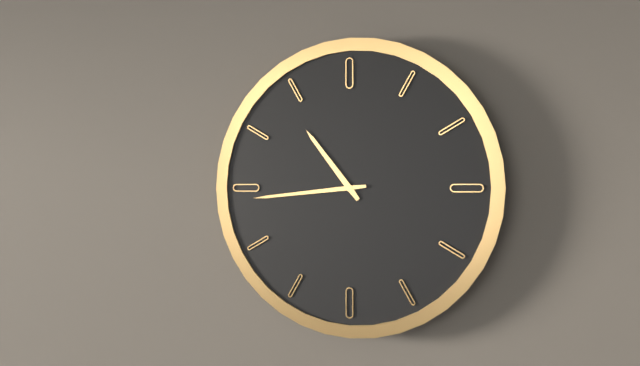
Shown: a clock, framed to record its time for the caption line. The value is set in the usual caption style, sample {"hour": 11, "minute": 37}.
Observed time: {"hour": 10, "minute": 44}
